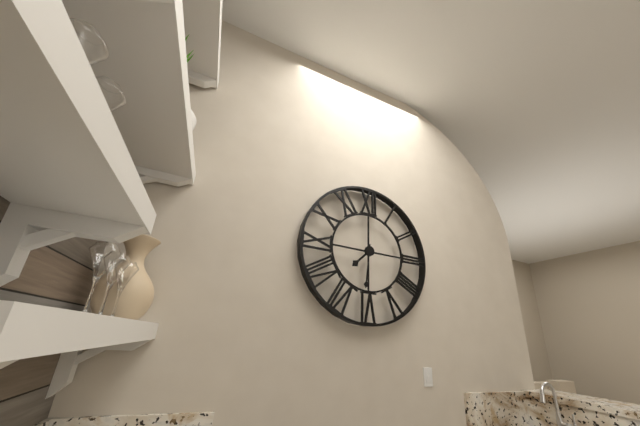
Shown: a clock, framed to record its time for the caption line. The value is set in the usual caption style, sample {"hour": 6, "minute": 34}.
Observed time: {"hour": 7, "minute": 31}
